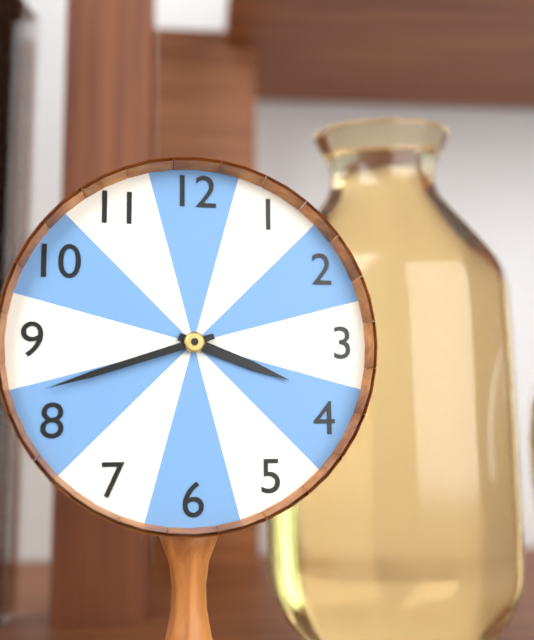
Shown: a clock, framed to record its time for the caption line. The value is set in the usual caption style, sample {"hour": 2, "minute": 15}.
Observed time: {"hour": 3, "minute": 42}
